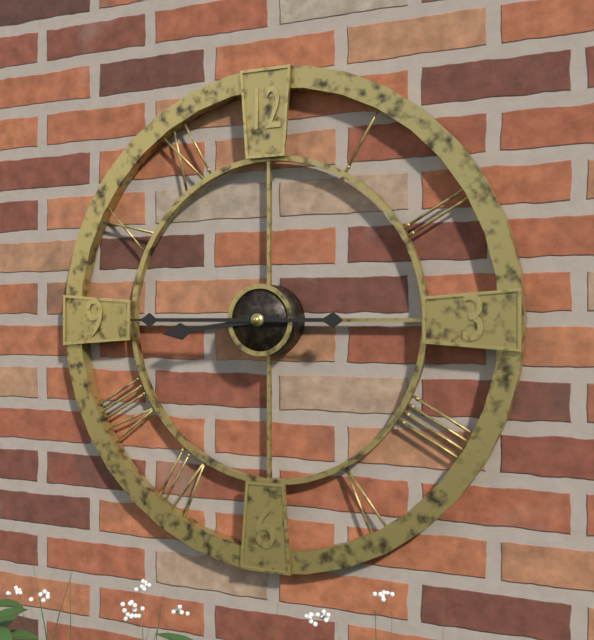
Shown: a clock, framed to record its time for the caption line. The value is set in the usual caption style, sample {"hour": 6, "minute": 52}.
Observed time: {"hour": 8, "minute": 45}
